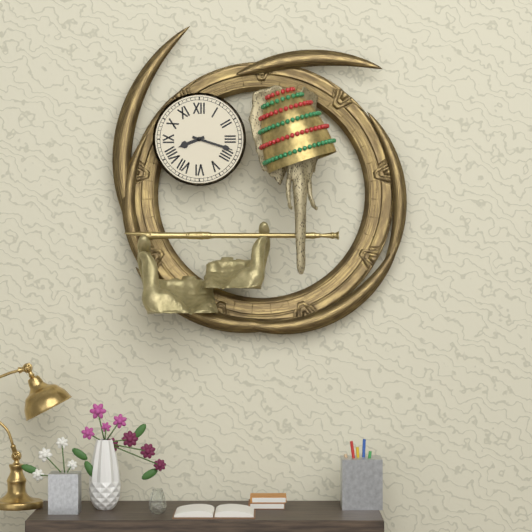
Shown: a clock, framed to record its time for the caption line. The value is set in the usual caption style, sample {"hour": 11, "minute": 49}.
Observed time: {"hour": 8, "minute": 18}
